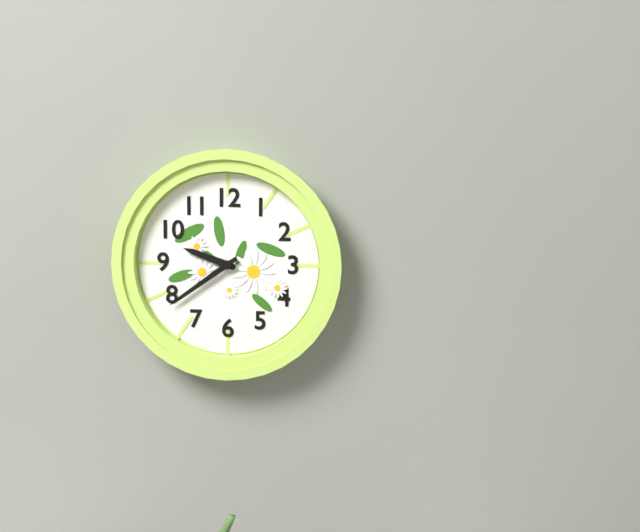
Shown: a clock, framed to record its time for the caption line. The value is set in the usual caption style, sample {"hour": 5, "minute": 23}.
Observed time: {"hour": 9, "minute": 39}
